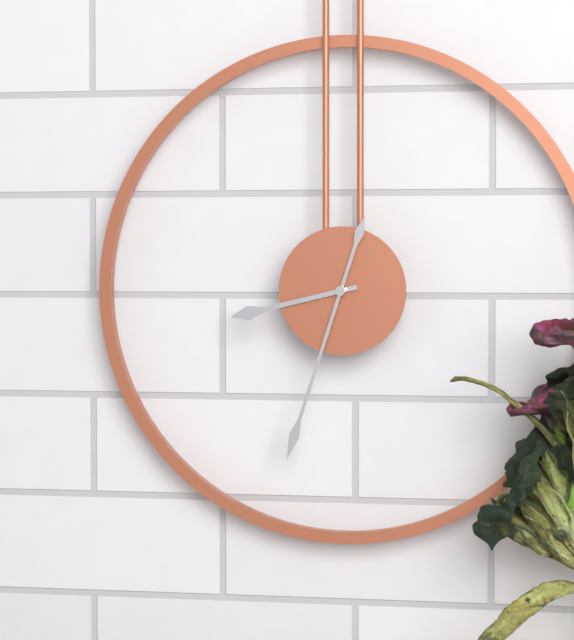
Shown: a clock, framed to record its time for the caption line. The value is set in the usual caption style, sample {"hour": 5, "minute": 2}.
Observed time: {"hour": 8, "minute": 33}
